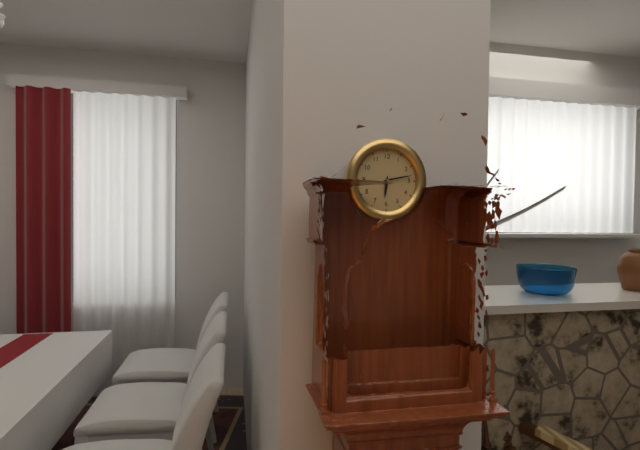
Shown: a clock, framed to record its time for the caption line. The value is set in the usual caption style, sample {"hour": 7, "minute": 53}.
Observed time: {"hour": 6, "minute": 13}
